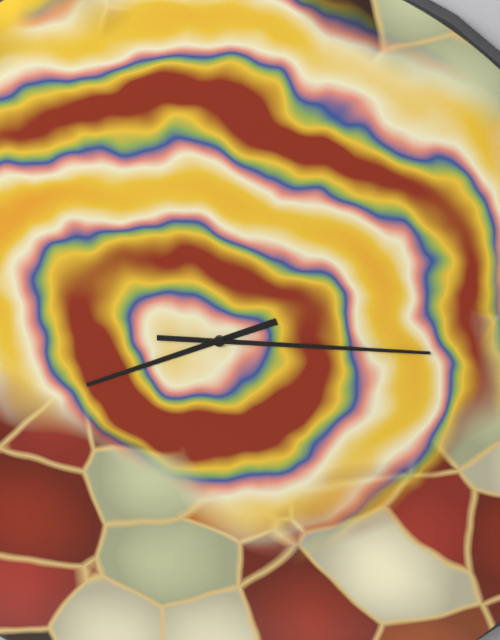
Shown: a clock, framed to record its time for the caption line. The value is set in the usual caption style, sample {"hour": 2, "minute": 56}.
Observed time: {"hour": 8, "minute": 15}
